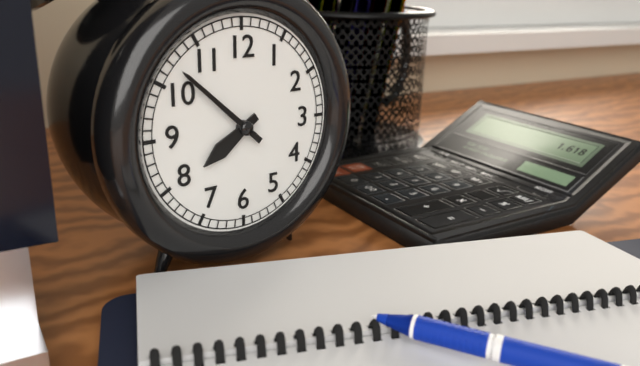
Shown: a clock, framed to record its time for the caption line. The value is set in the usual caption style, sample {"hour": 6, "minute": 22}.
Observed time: {"hour": 7, "minute": 52}
